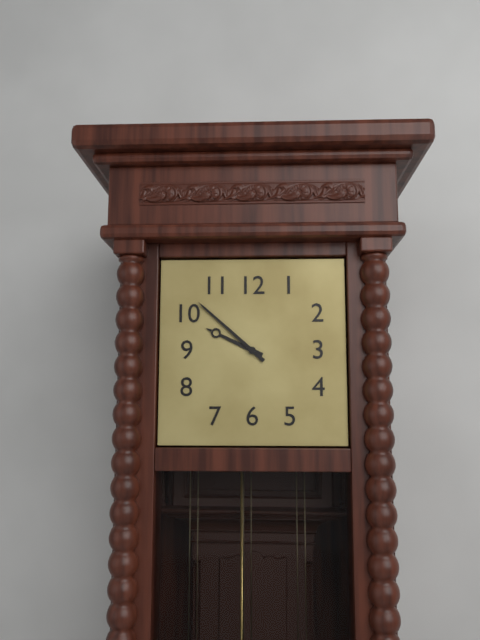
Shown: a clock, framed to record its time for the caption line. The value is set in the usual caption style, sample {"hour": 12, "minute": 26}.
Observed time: {"hour": 9, "minute": 52}
